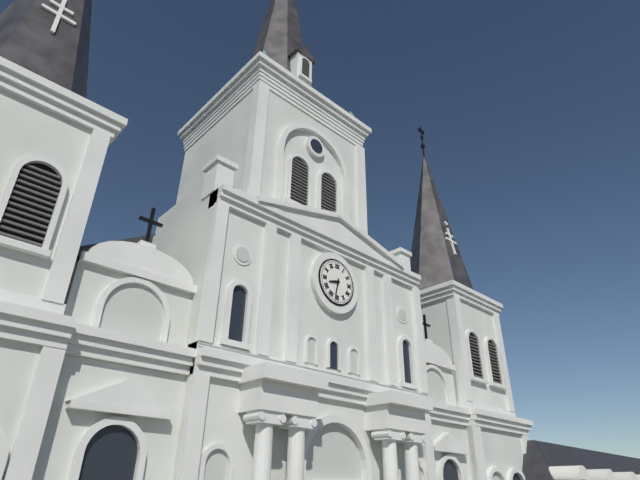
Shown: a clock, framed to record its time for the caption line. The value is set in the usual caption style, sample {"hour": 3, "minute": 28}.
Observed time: {"hour": 8, "minute": 32}
